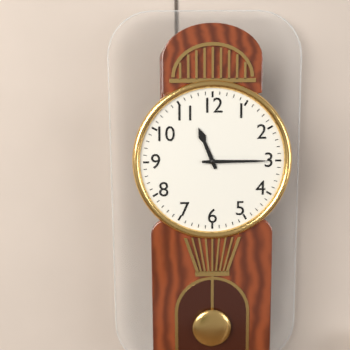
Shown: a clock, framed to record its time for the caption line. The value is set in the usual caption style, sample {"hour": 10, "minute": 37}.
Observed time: {"hour": 11, "minute": 15}
